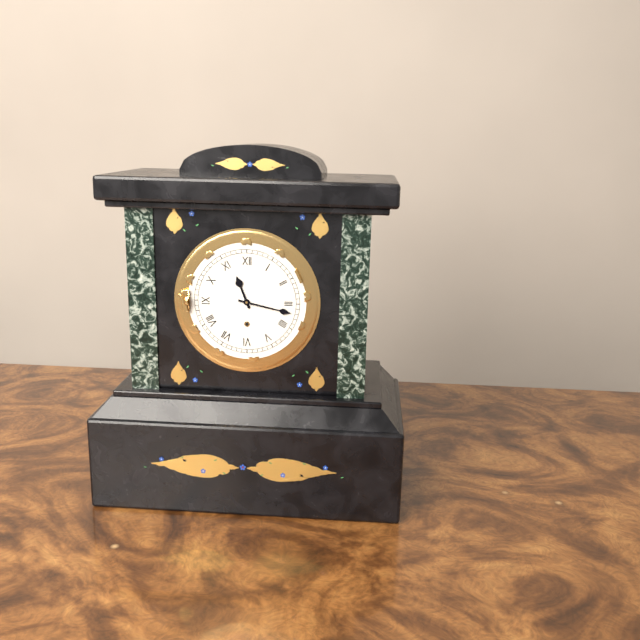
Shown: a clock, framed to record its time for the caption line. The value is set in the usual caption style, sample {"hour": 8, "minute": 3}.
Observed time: {"hour": 11, "minute": 17}
